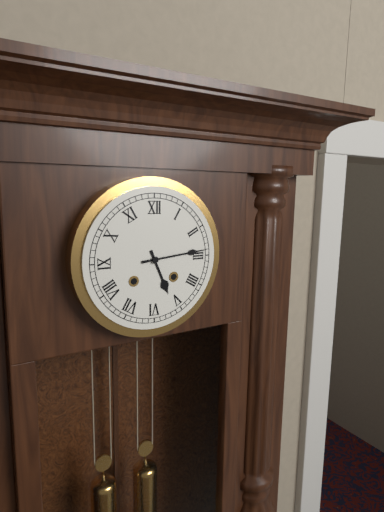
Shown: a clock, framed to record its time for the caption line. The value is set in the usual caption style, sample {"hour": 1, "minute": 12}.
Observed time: {"hour": 5, "minute": 14}
